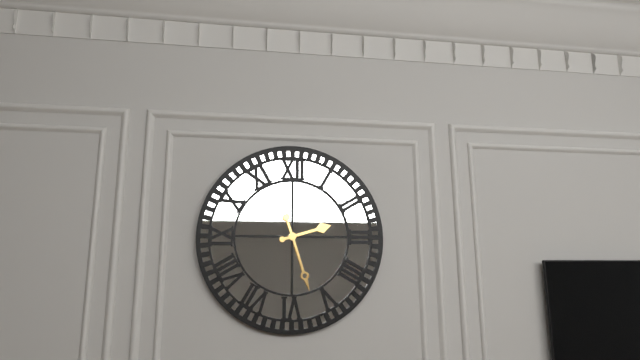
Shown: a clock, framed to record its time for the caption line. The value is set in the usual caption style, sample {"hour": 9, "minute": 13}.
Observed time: {"hour": 2, "minute": 27}
